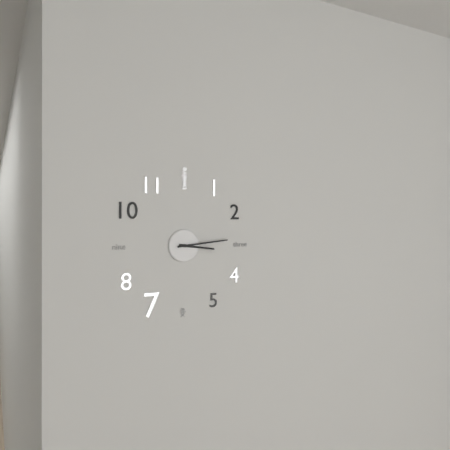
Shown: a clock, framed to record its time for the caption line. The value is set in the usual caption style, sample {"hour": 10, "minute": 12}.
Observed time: {"hour": 3, "minute": 14}
